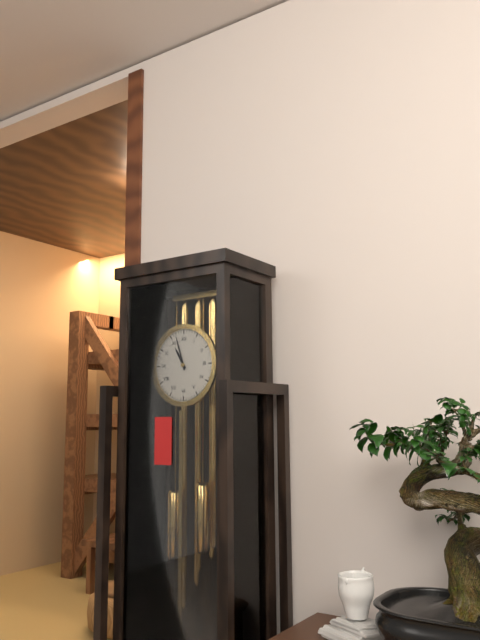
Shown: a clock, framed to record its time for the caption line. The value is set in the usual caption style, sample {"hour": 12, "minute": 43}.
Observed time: {"hour": 10, "minute": 57}
